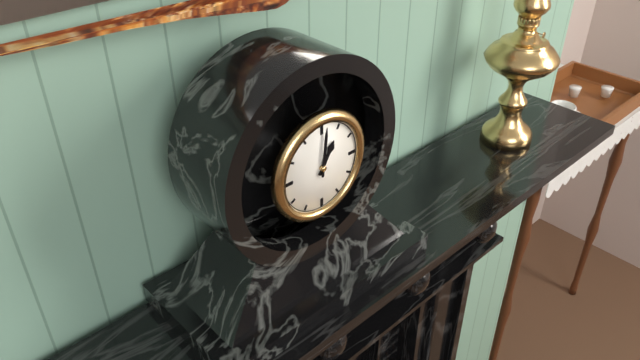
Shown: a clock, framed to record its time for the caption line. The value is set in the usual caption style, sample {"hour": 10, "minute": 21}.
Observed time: {"hour": 1, "minute": 1}
